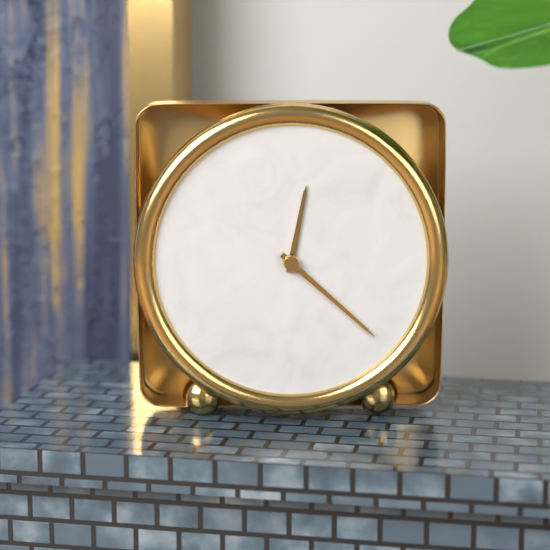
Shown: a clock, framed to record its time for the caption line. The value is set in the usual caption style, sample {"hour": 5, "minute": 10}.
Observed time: {"hour": 12, "minute": 22}
